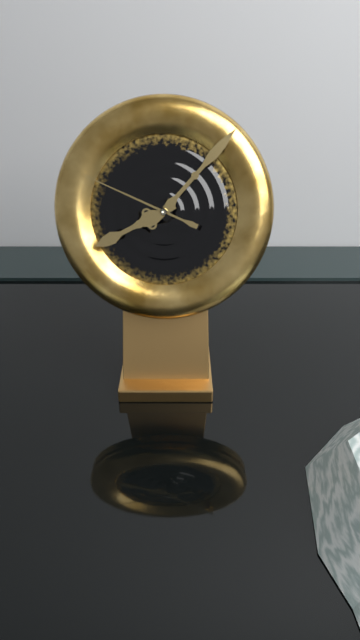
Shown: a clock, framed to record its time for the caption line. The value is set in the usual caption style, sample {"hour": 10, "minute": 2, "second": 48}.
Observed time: {"hour": 8, "minute": 7, "second": 49}
